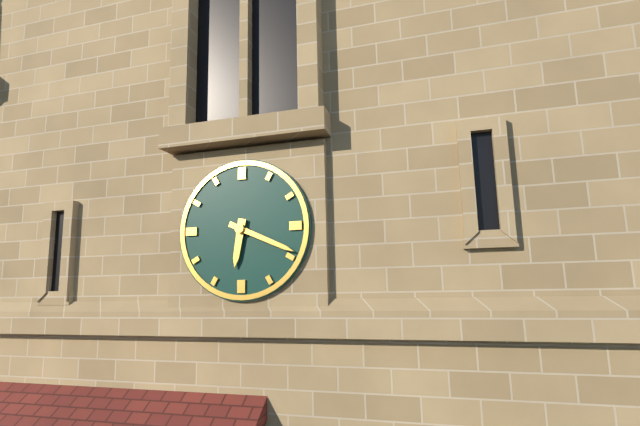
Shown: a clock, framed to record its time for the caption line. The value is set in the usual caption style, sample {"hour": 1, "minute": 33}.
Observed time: {"hour": 6, "minute": 19}
